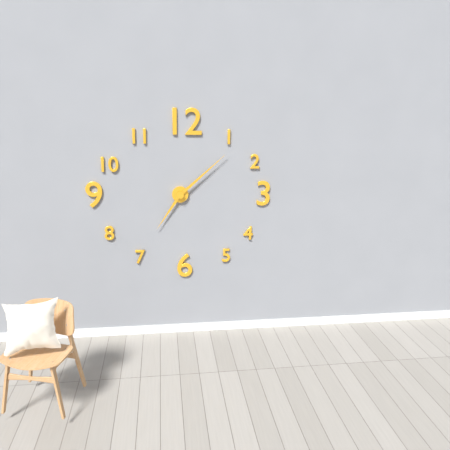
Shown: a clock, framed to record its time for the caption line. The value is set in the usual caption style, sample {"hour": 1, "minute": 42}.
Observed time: {"hour": 7, "minute": 8}
